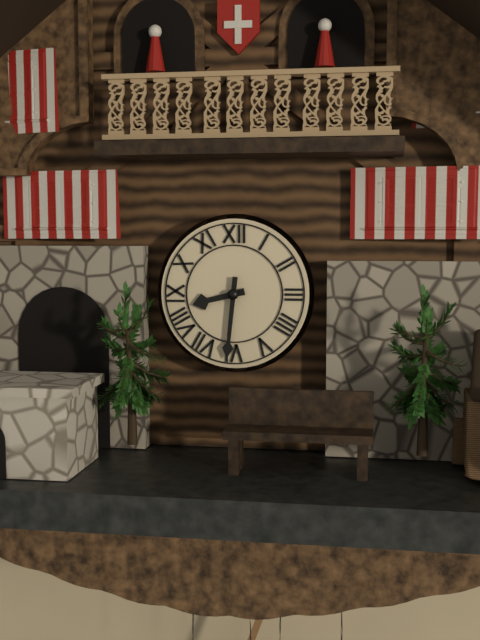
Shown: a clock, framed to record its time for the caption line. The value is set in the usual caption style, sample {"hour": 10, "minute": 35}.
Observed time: {"hour": 8, "minute": 31}
